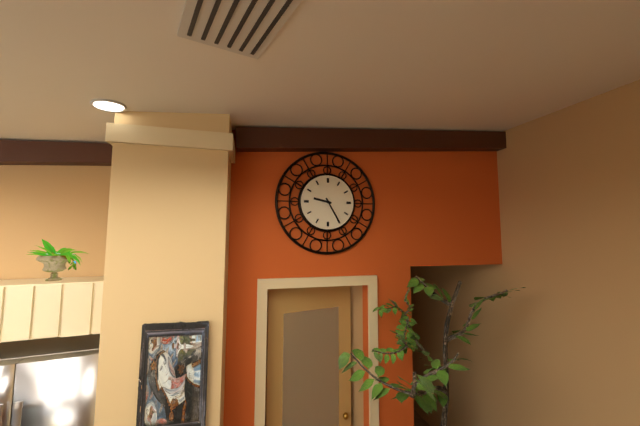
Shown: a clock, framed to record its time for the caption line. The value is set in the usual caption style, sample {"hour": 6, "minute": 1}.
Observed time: {"hour": 9, "minute": 25}
